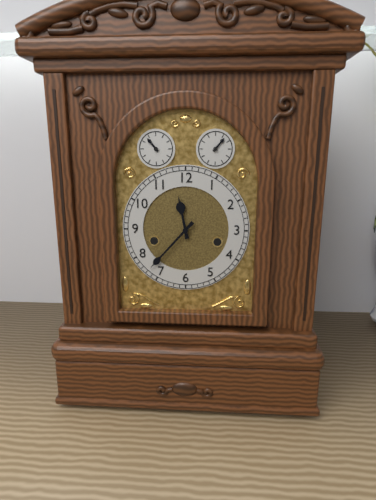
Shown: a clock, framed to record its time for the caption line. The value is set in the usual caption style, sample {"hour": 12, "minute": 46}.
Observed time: {"hour": 11, "minute": 37}
